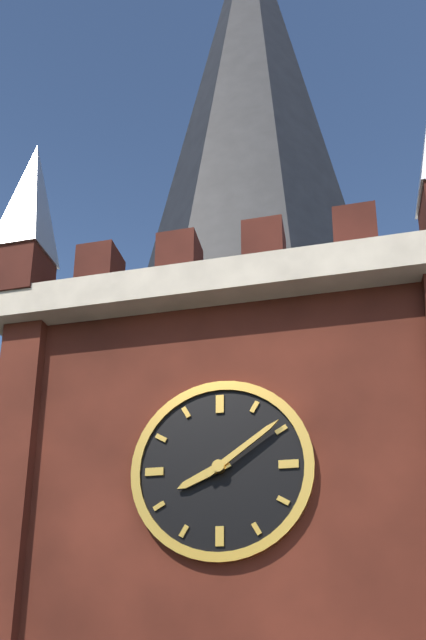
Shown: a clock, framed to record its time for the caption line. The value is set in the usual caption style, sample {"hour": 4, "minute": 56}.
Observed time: {"hour": 8, "minute": 9}
